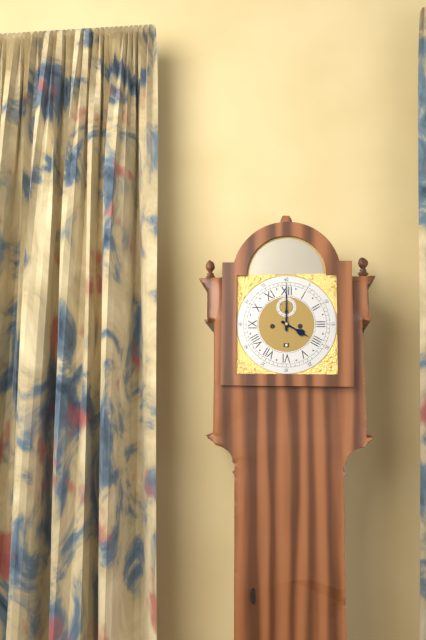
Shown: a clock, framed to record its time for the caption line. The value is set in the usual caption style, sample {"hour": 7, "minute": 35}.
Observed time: {"hour": 4, "minute": 0}
